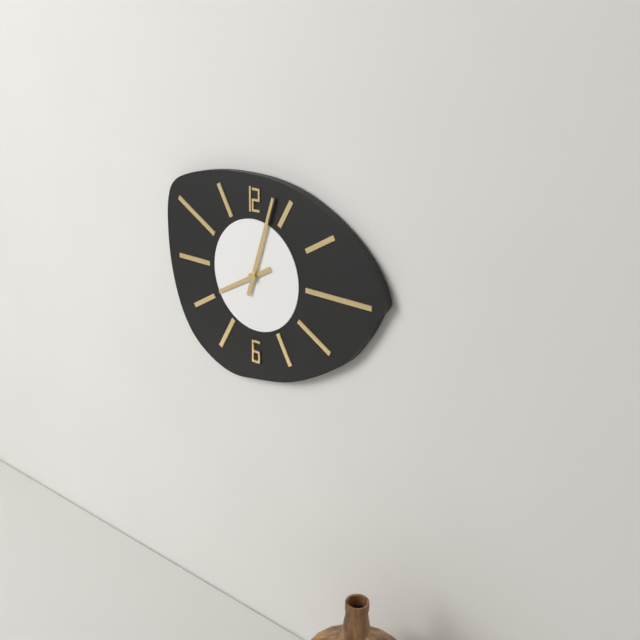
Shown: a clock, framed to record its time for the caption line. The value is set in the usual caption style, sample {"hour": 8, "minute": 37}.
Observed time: {"hour": 8, "minute": 3}
